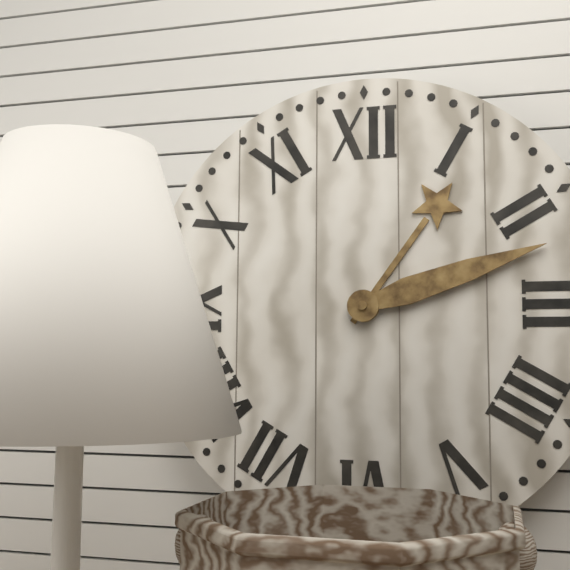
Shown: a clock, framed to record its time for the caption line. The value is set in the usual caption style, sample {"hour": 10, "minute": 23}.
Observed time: {"hour": 1, "minute": 12}
